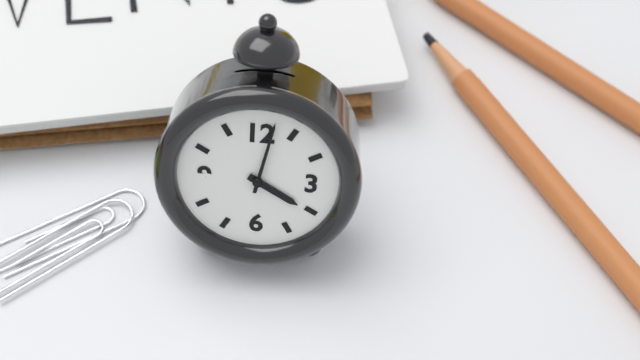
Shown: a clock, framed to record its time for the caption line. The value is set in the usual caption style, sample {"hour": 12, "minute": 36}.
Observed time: {"hour": 4, "minute": 2}
